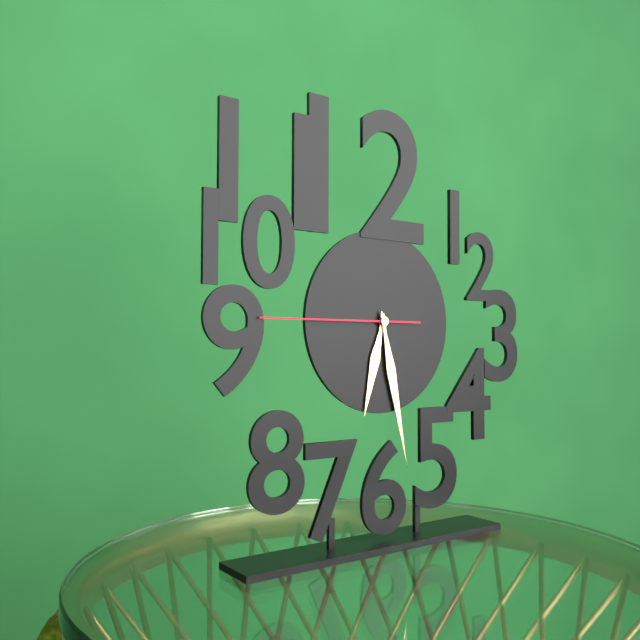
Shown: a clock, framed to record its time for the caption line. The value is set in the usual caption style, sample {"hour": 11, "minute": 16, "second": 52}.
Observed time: {"hour": 6, "minute": 28, "second": 45}
